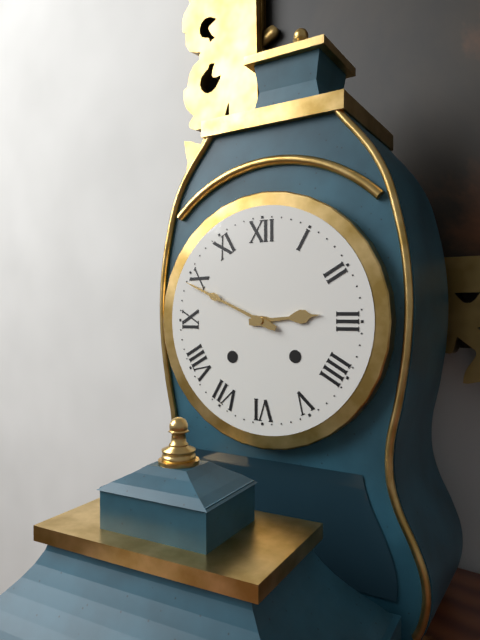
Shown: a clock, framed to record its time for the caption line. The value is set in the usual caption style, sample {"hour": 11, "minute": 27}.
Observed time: {"hour": 2, "minute": 49}
